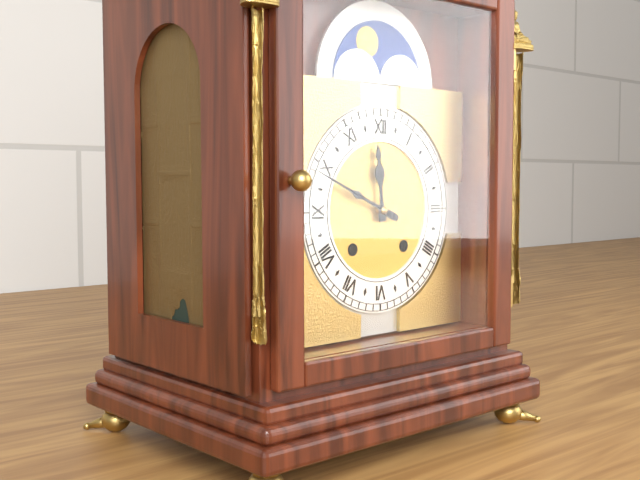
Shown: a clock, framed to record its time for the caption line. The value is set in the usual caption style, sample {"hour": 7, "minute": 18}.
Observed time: {"hour": 11, "minute": 49}
